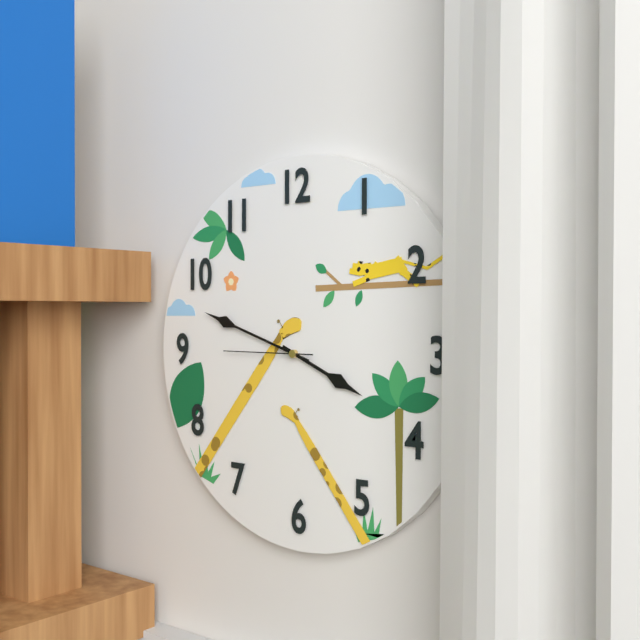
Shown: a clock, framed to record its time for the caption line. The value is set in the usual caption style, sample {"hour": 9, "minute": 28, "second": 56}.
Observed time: {"hour": 3, "minute": 48, "second": 45}
